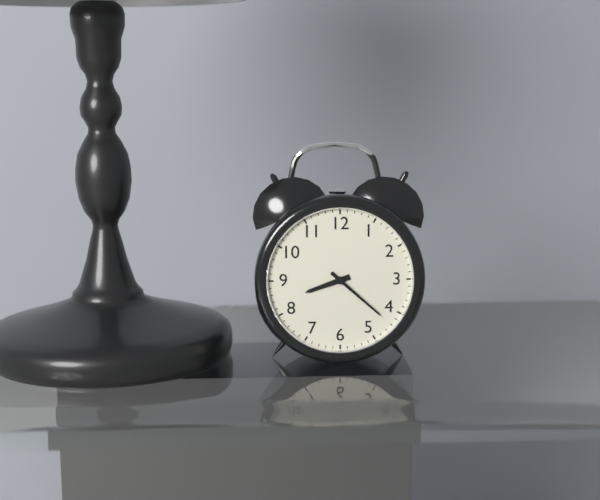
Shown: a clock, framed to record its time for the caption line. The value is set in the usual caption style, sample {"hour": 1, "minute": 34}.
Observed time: {"hour": 8, "minute": 22}
